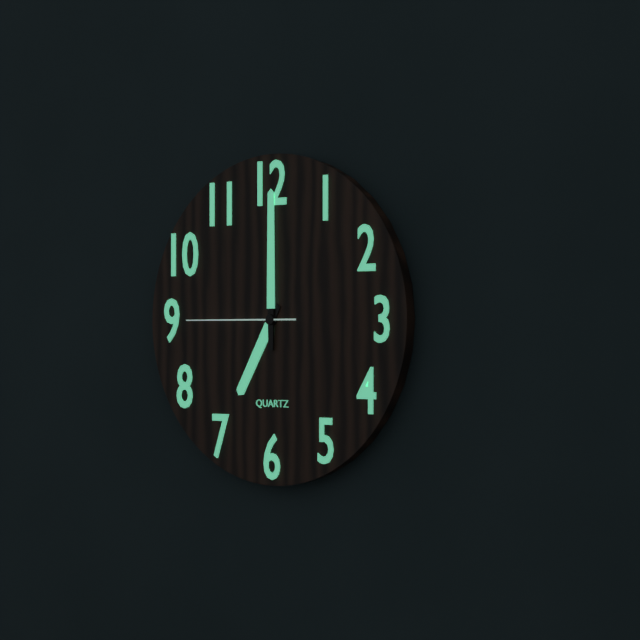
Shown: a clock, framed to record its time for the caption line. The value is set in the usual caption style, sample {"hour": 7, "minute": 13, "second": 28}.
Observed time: {"hour": 7, "minute": 0, "second": 45}
